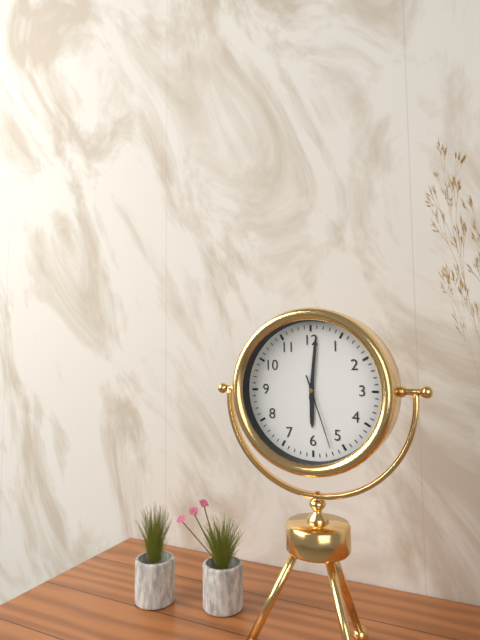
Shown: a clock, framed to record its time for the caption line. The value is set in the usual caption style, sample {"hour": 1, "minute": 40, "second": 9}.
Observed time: {"hour": 6, "minute": 1, "second": 27}
